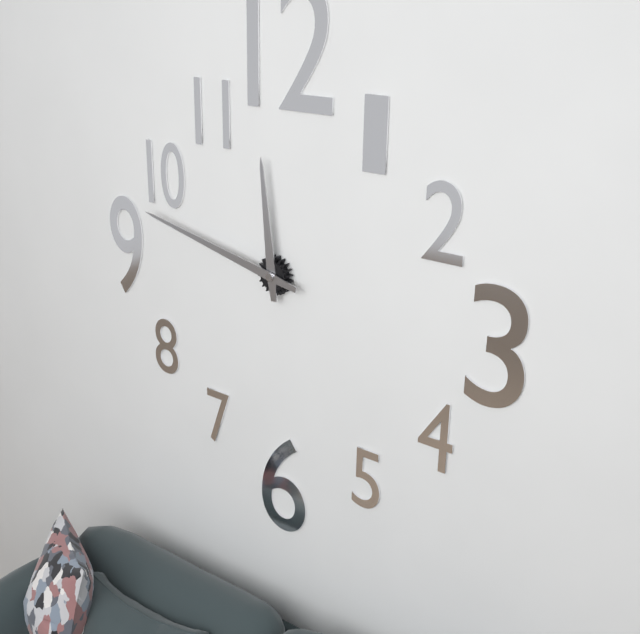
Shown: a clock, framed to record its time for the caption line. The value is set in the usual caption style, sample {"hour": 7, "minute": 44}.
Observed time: {"hour": 11, "minute": 47}
